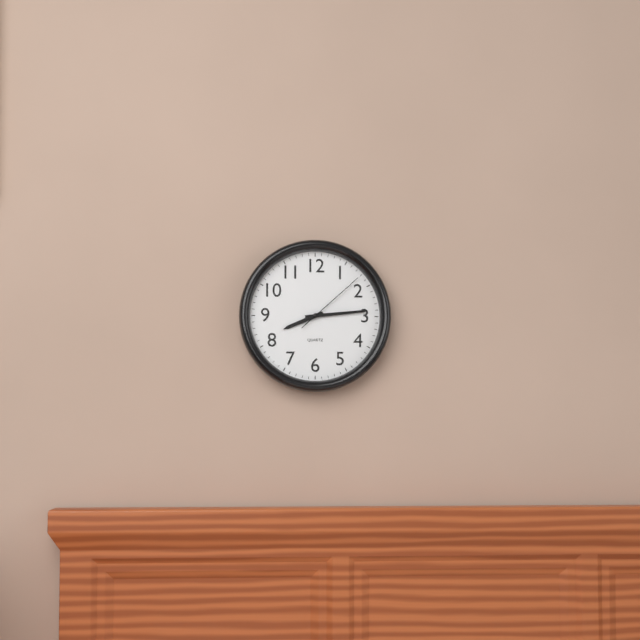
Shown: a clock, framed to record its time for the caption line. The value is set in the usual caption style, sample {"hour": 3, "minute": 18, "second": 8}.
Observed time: {"hour": 8, "minute": 14, "second": 8}
